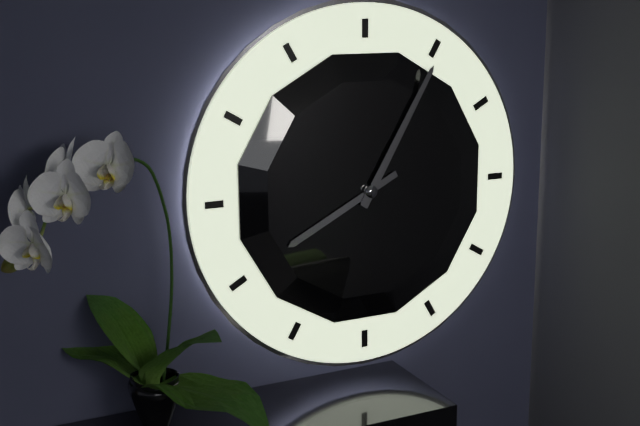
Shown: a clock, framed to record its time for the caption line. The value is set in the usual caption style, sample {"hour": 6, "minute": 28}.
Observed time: {"hour": 8, "minute": 5}
